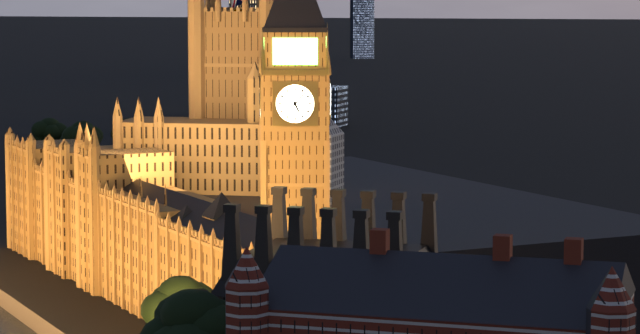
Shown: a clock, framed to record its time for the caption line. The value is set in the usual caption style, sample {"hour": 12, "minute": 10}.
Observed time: {"hour": 5, "minute": 7}
